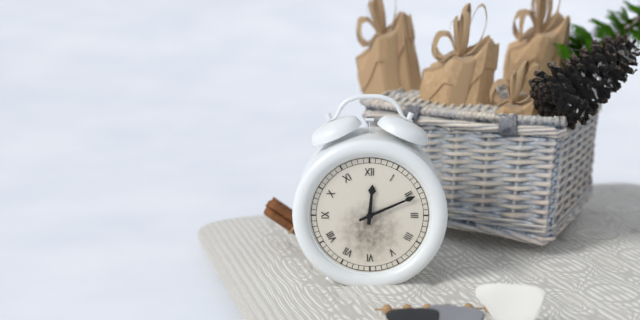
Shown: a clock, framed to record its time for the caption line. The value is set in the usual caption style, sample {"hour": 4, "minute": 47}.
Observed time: {"hour": 12, "minute": 11}
